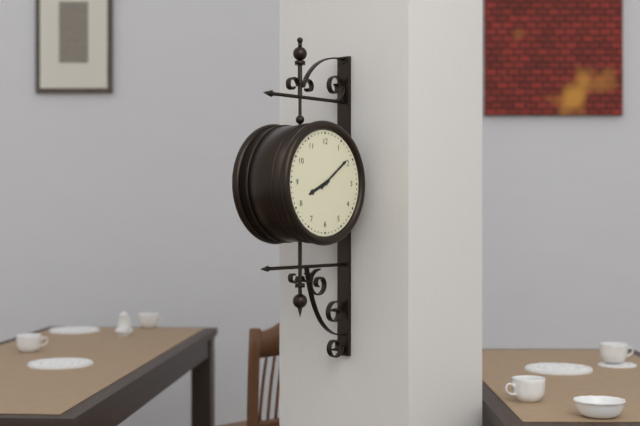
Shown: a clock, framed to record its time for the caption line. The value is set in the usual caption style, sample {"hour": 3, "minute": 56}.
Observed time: {"hour": 8, "minute": 9}
